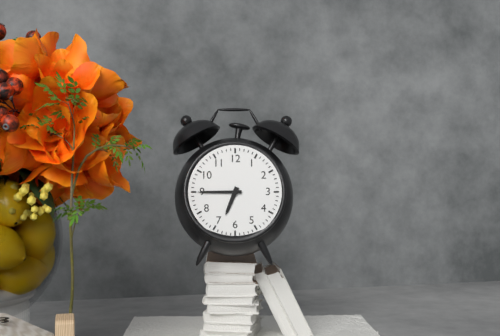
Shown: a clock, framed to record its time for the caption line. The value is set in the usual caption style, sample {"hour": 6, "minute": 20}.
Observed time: {"hour": 6, "minute": 45}
